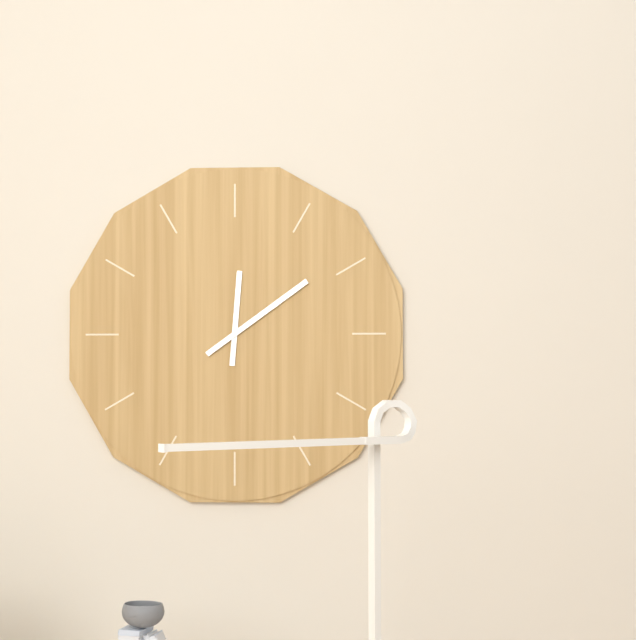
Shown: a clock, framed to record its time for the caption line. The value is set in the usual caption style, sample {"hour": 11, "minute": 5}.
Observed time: {"hour": 12, "minute": 9}
